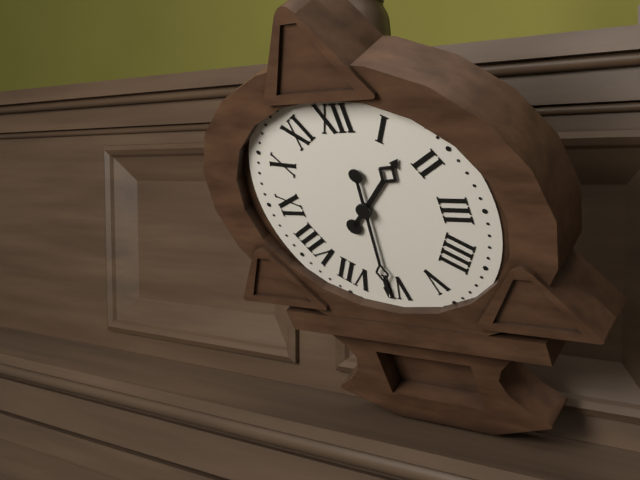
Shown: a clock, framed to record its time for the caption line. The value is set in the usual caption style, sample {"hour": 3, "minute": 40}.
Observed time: {"hour": 1, "minute": 31}
